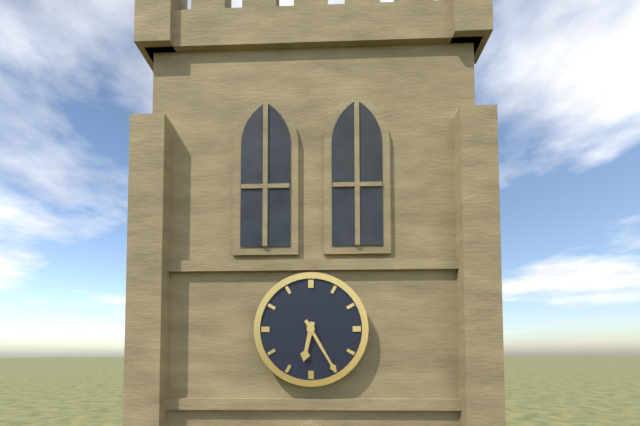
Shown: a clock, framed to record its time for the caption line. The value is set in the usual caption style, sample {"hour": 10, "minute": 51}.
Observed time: {"hour": 6, "minute": 25}
